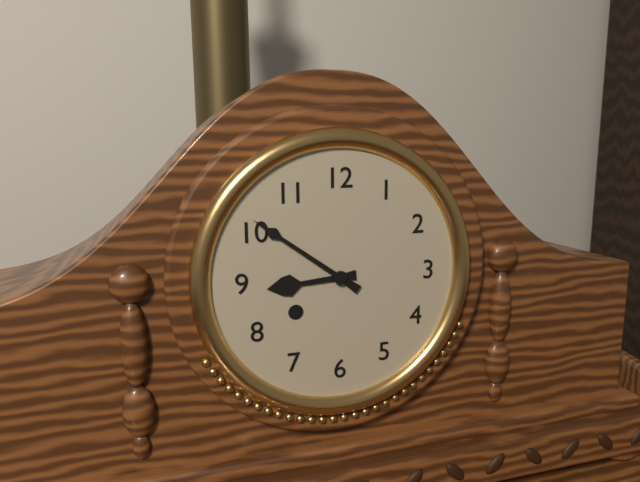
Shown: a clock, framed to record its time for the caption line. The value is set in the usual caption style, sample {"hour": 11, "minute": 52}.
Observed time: {"hour": 8, "minute": 51}
